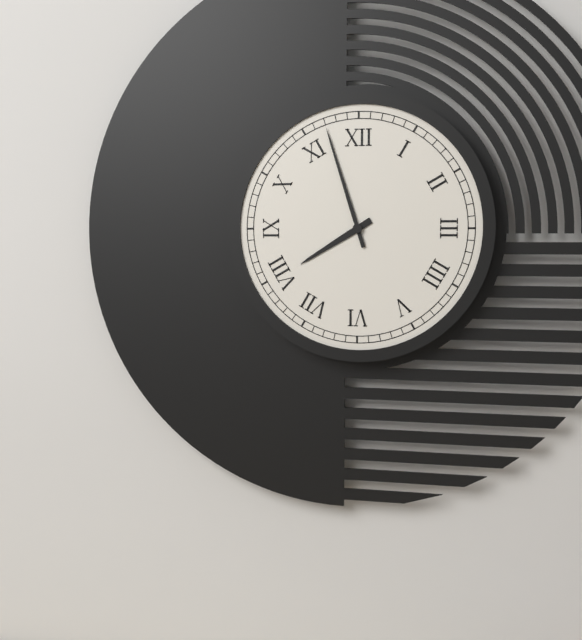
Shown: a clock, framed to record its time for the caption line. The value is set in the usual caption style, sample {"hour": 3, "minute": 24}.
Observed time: {"hour": 7, "minute": 57}
